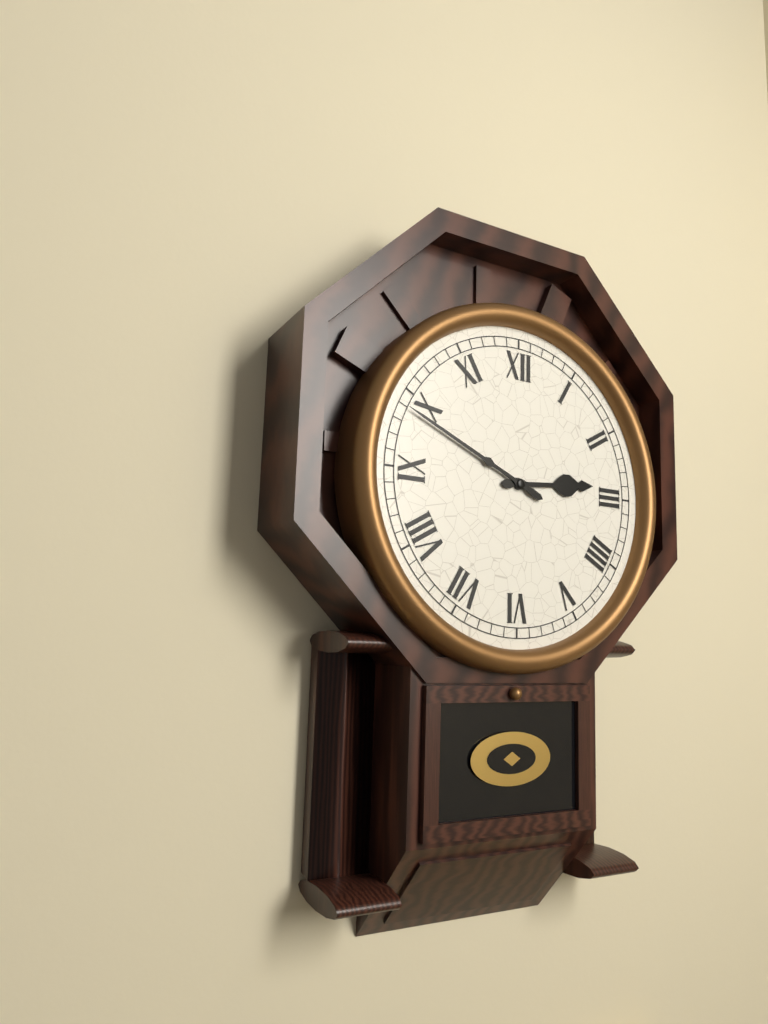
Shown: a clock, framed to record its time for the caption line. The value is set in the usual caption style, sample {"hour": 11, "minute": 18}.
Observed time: {"hour": 2, "minute": 49}
